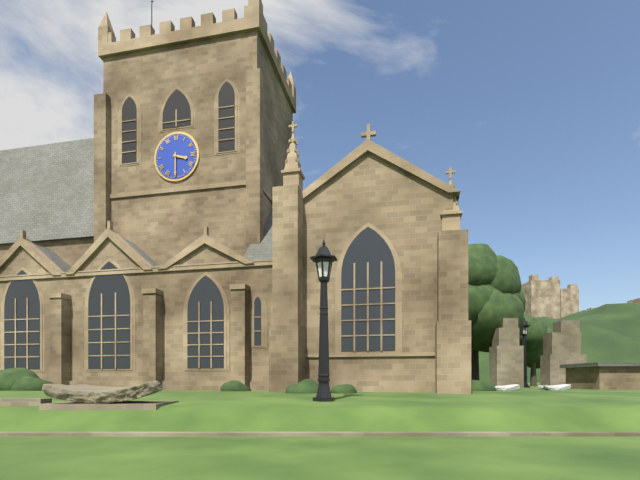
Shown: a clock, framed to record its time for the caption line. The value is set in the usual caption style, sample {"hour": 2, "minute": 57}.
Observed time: {"hour": 3, "minute": 30}
